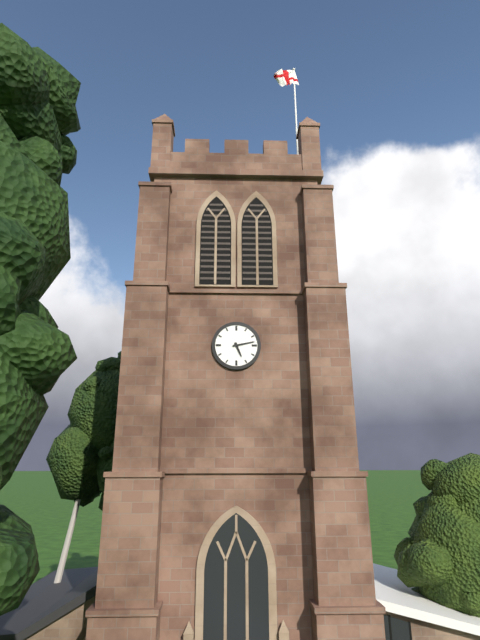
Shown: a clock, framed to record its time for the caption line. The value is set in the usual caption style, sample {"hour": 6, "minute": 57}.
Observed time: {"hour": 5, "minute": 13}
